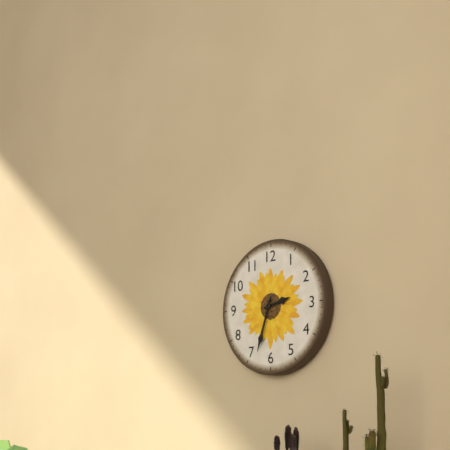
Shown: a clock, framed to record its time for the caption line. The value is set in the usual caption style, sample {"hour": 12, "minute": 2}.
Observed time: {"hour": 2, "minute": 33}
